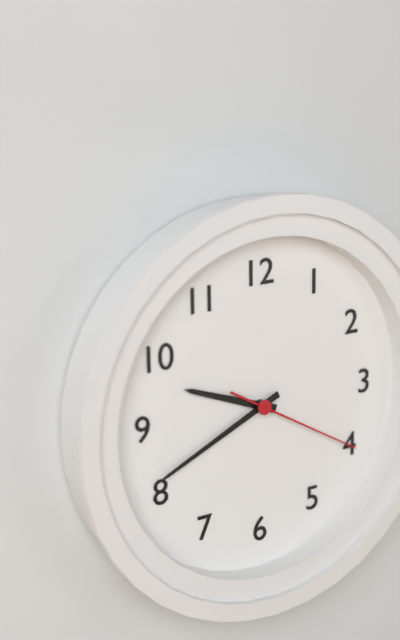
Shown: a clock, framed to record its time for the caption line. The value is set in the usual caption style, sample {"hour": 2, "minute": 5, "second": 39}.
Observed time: {"hour": 9, "minute": 41, "second": 20}
